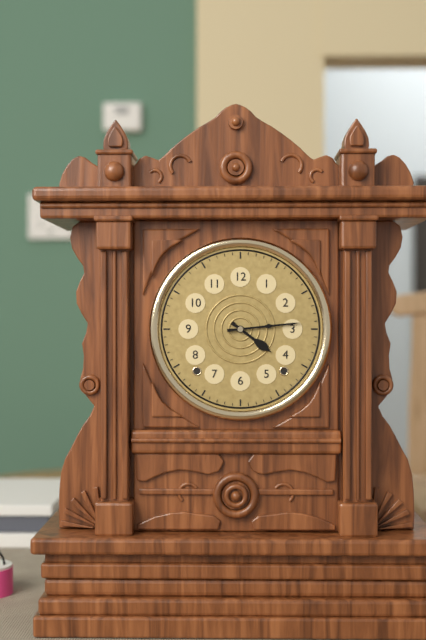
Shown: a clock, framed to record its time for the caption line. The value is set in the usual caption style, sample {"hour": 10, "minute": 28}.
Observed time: {"hour": 4, "minute": 14}
